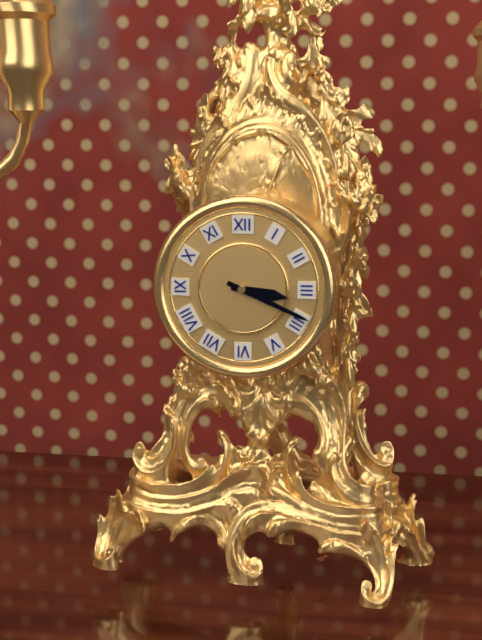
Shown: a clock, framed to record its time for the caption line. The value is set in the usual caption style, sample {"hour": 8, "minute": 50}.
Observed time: {"hour": 3, "minute": 19}
